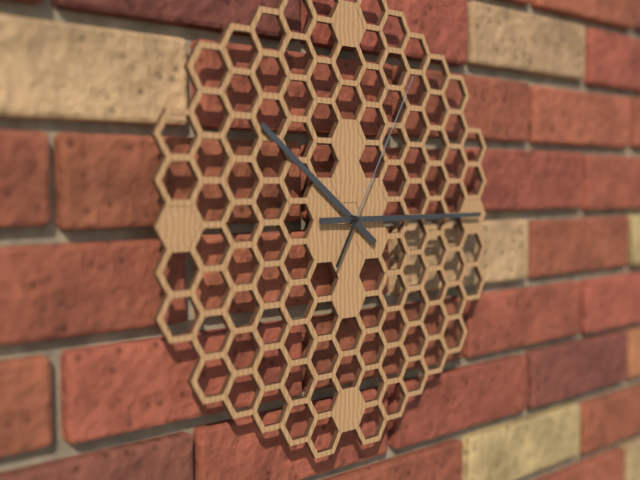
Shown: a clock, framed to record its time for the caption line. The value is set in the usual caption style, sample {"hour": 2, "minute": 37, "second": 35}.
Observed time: {"hour": 10, "minute": 15, "second": 5}
